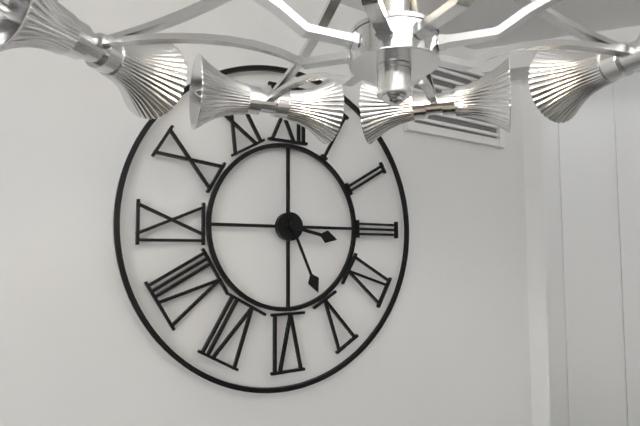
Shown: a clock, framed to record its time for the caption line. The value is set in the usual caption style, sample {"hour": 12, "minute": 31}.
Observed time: {"hour": 3, "minute": 26}
